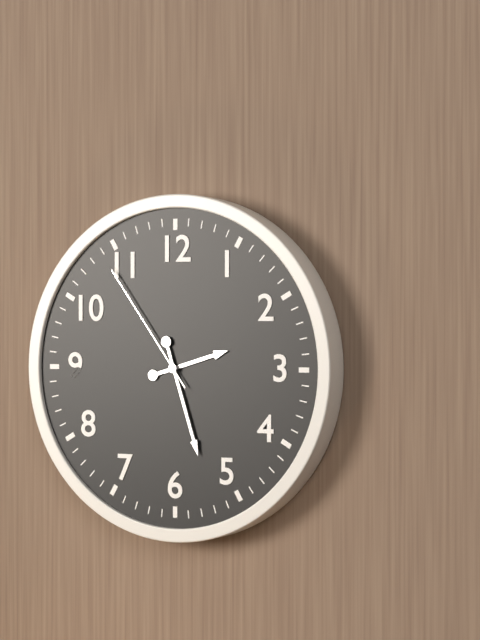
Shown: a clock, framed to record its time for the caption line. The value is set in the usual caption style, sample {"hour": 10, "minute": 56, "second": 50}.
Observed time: {"hour": 2, "minute": 27, "second": 54}
